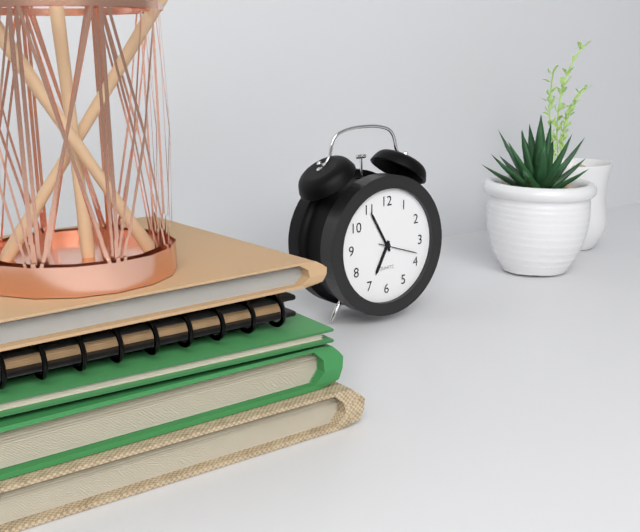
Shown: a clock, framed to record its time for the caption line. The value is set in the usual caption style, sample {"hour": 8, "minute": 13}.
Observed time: {"hour": 6, "minute": 55}
